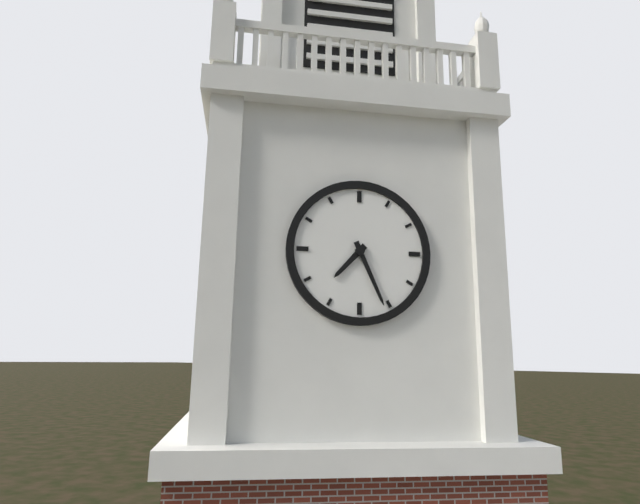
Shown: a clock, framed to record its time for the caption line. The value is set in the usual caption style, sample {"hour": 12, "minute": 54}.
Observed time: {"hour": 7, "minute": 26}
